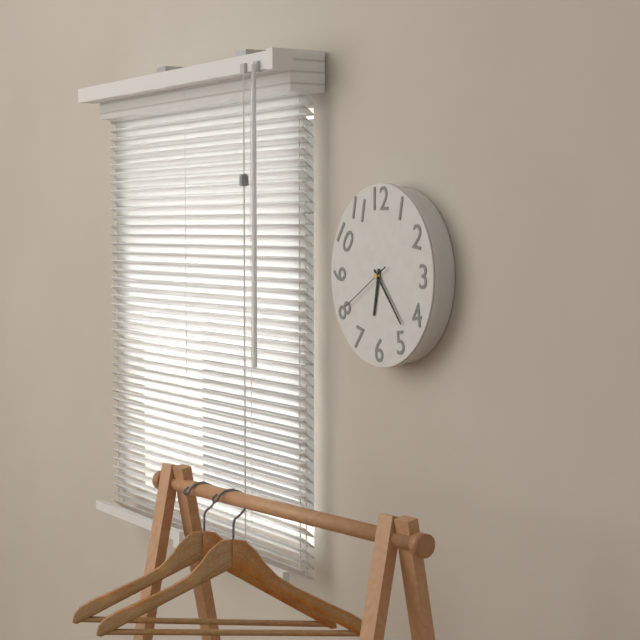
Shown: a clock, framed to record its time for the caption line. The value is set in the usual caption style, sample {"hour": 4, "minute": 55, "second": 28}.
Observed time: {"hour": 6, "minute": 23, "second": 40}
